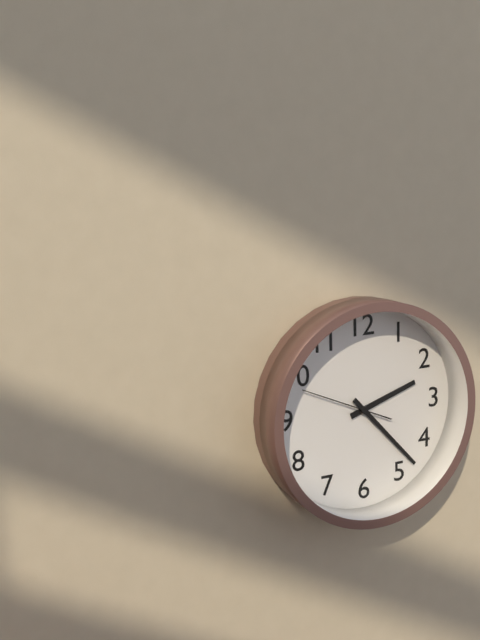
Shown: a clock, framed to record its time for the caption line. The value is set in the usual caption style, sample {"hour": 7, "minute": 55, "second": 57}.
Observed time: {"hour": 2, "minute": 23, "second": 49}
